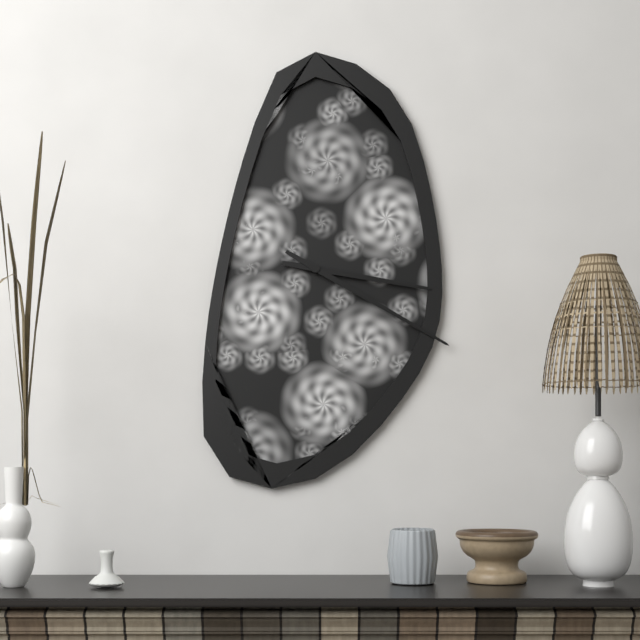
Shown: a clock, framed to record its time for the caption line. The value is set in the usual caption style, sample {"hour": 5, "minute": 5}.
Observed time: {"hour": 3, "minute": 20}
